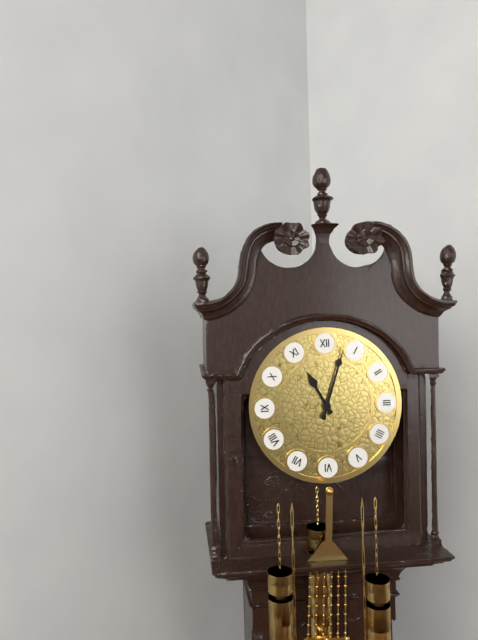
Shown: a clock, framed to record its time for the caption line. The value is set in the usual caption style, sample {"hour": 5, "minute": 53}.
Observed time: {"hour": 11, "minute": 3}
